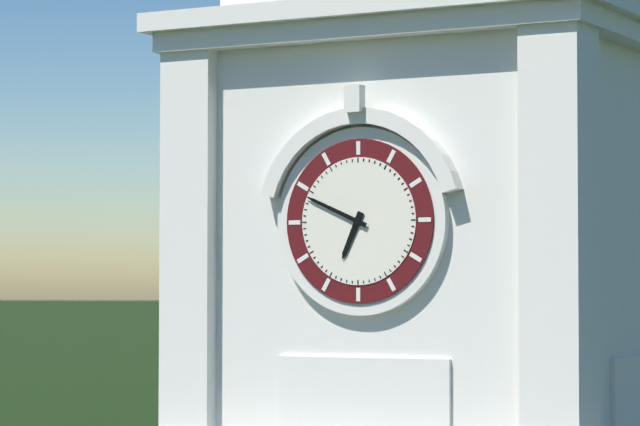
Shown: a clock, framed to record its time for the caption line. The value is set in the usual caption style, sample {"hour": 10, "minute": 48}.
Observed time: {"hour": 6, "minute": 49}
